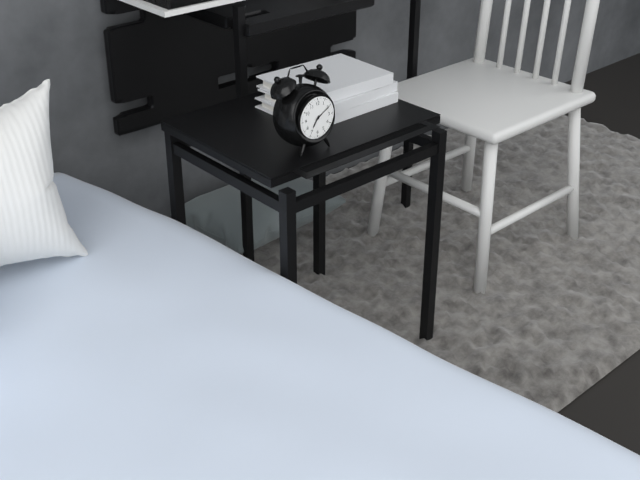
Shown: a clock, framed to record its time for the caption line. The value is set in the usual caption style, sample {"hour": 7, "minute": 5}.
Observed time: {"hour": 7, "minute": 10}
